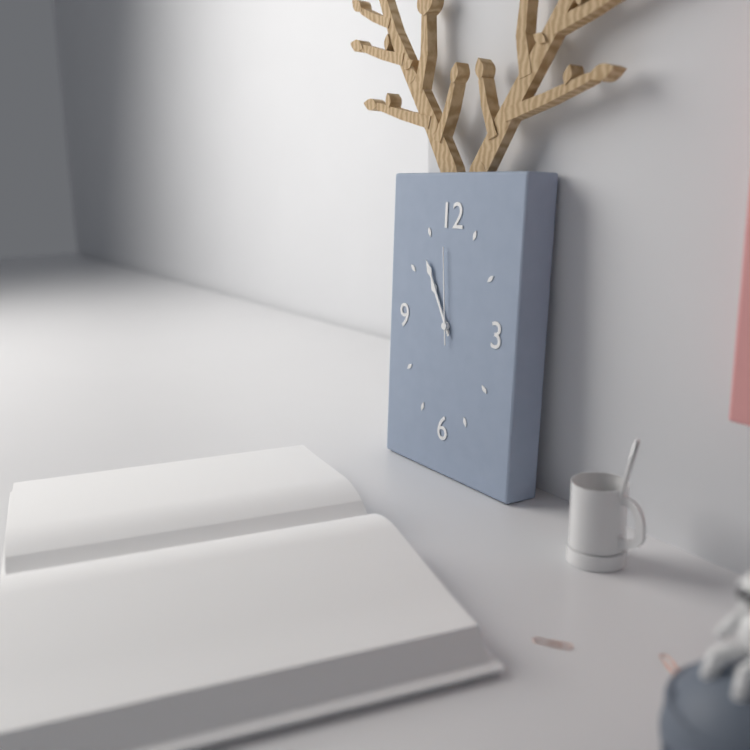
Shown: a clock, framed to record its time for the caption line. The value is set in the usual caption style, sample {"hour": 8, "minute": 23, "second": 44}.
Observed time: {"hour": 10, "minute": 55, "second": 59}
